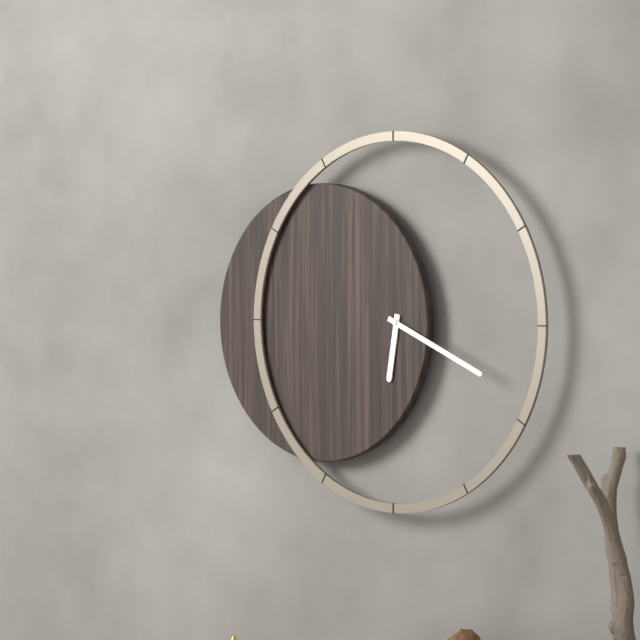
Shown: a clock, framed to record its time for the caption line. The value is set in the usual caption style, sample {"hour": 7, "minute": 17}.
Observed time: {"hour": 6, "minute": 19}
